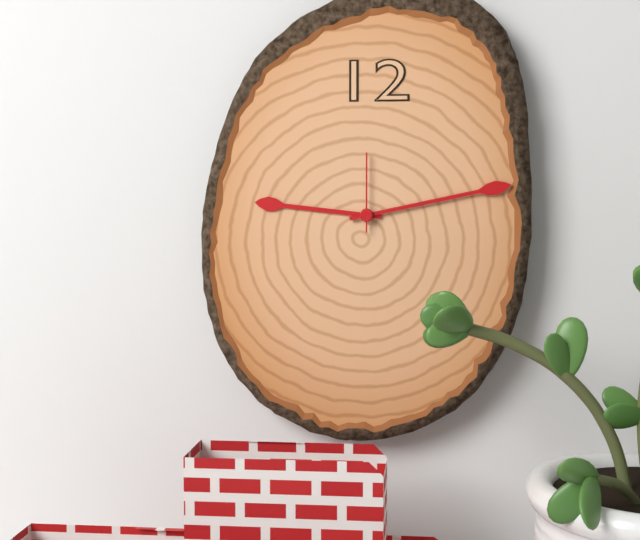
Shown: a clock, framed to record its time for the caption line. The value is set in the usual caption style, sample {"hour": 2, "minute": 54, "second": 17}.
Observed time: {"hour": 9, "minute": 13, "second": 0}
